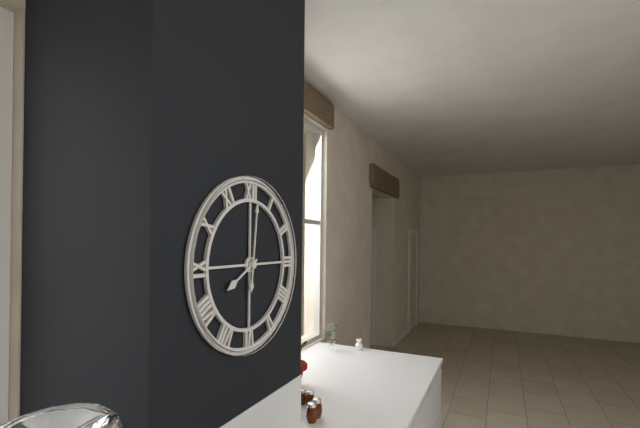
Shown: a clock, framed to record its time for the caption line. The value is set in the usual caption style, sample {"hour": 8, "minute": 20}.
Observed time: {"hour": 8, "minute": 1}
